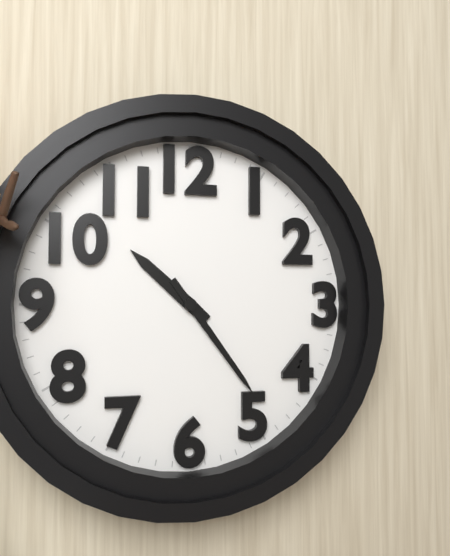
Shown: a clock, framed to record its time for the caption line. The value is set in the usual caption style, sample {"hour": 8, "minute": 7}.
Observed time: {"hour": 10, "minute": 24}
